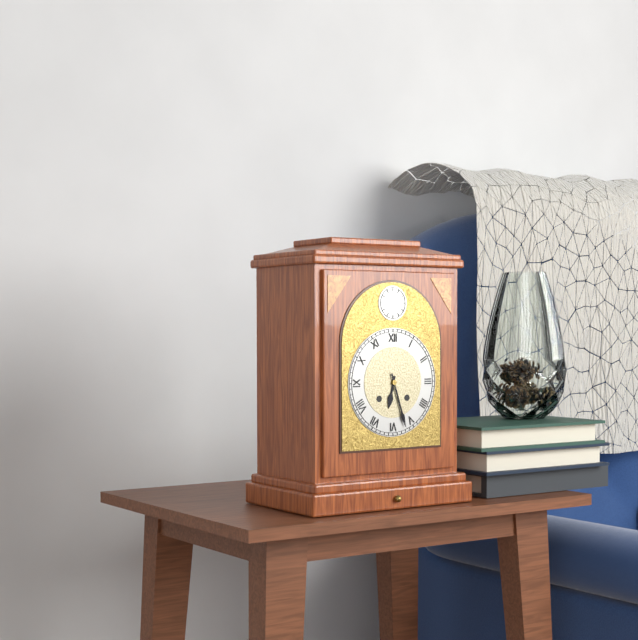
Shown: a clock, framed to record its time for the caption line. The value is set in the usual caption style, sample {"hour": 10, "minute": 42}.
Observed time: {"hour": 6, "minute": 27}
